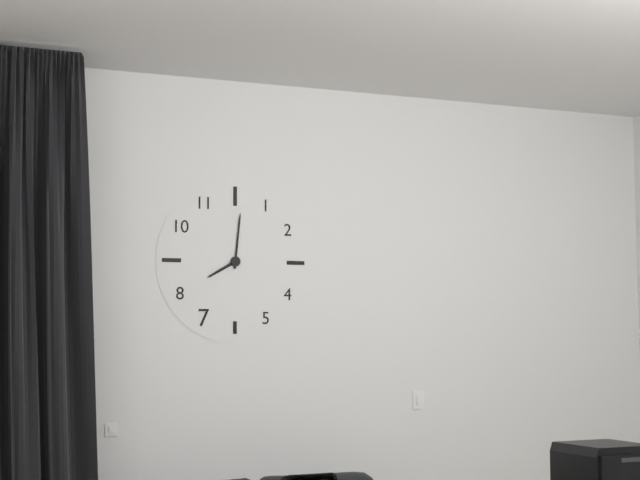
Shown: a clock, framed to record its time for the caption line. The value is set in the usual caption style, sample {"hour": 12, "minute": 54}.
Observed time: {"hour": 8, "minute": 1}
